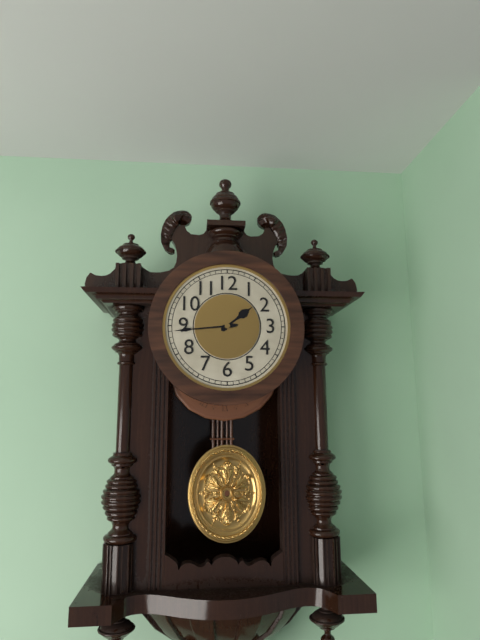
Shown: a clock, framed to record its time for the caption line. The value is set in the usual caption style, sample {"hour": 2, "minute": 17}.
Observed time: {"hour": 1, "minute": 44}
